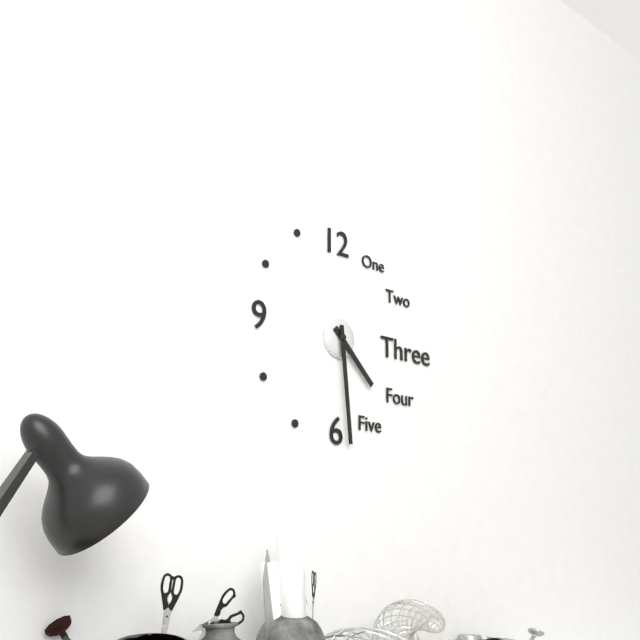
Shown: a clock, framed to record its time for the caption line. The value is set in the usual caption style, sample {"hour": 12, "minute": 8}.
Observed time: {"hour": 4, "minute": 29}
